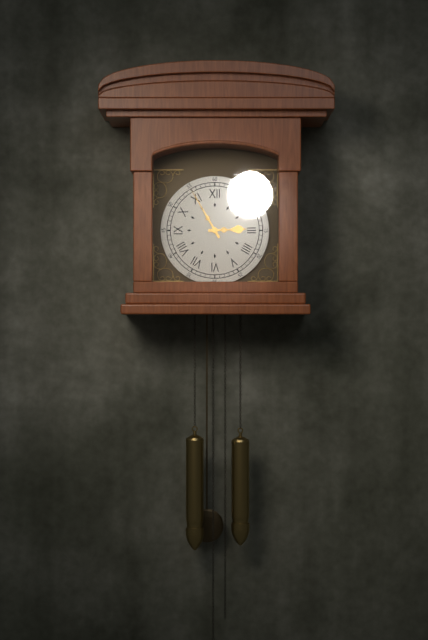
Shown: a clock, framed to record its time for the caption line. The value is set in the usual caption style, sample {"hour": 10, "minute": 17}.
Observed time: {"hour": 2, "minute": 55}
